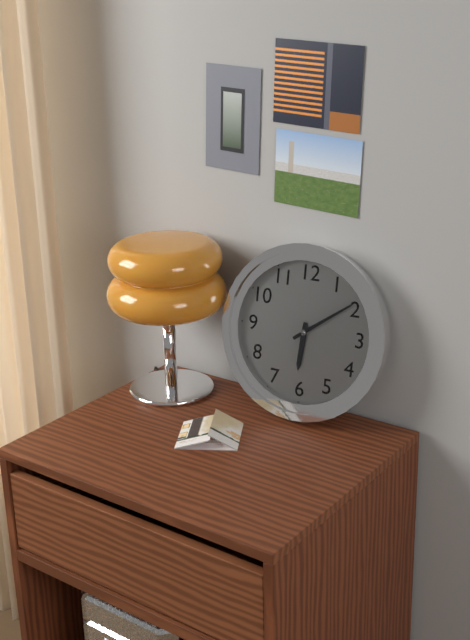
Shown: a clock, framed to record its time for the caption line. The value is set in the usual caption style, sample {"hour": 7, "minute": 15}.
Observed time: {"hour": 6, "minute": 9}
